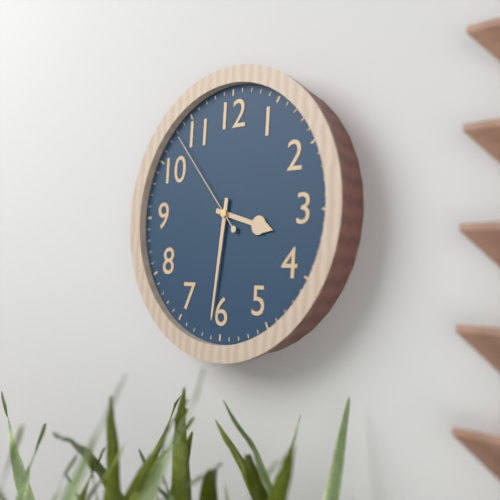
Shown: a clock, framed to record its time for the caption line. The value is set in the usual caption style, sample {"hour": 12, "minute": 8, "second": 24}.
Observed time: {"hour": 3, "minute": 31, "second": 53}
